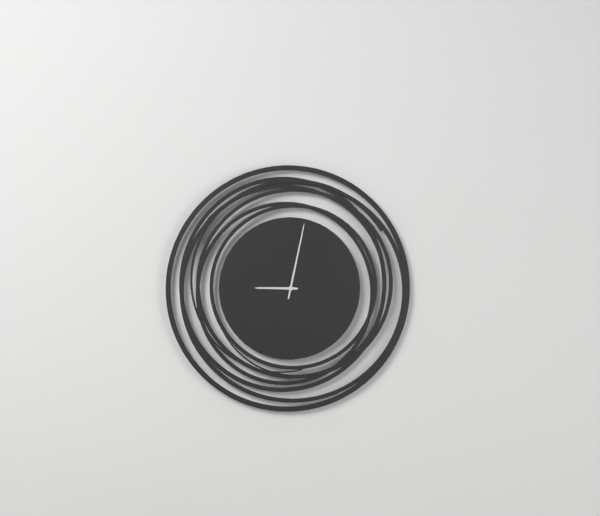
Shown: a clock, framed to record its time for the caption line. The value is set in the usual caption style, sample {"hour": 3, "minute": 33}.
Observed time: {"hour": 9, "minute": 2}
